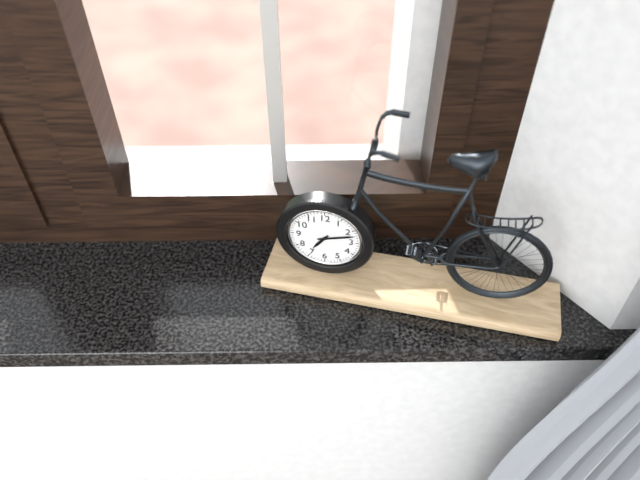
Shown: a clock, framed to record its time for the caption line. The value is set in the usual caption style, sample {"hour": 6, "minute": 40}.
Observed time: {"hour": 7, "minute": 12}
